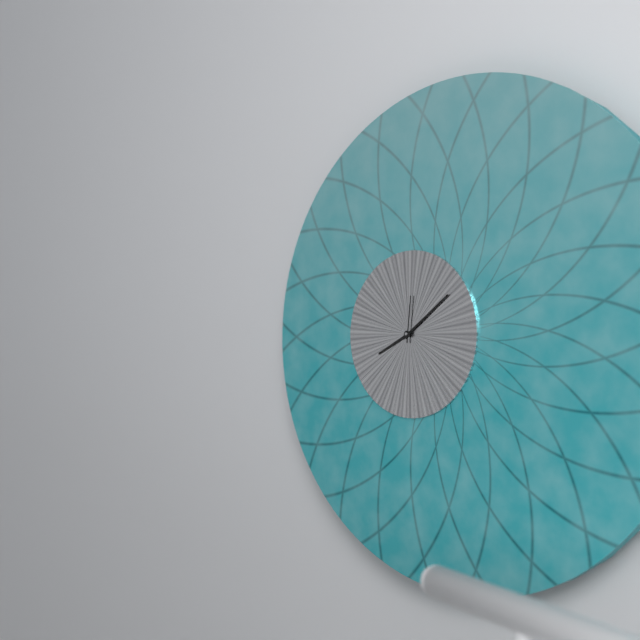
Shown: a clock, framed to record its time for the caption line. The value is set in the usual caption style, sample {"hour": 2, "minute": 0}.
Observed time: {"hour": 8, "minute": 9}
